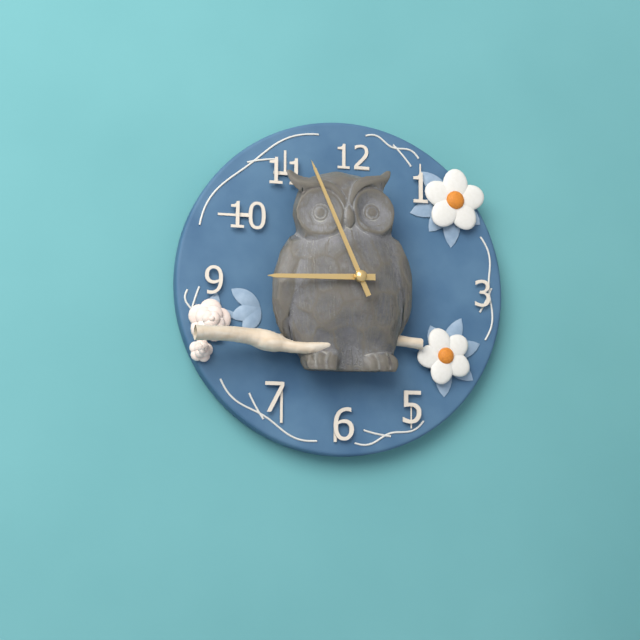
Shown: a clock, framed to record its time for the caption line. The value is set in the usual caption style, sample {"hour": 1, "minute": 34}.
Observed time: {"hour": 8, "minute": 56}
